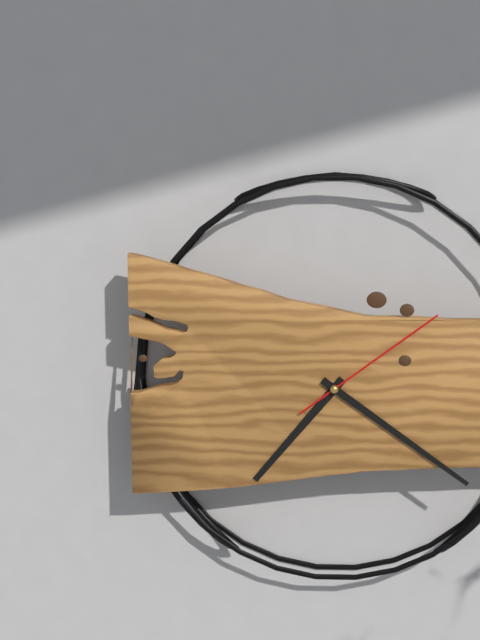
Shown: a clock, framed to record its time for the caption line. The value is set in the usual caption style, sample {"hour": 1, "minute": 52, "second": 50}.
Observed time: {"hour": 7, "minute": 21, "second": 9}
